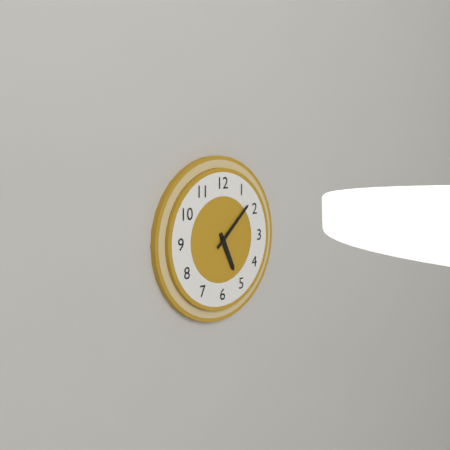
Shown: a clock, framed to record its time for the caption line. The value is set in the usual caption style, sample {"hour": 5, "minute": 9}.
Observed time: {"hour": 5, "minute": 8}
